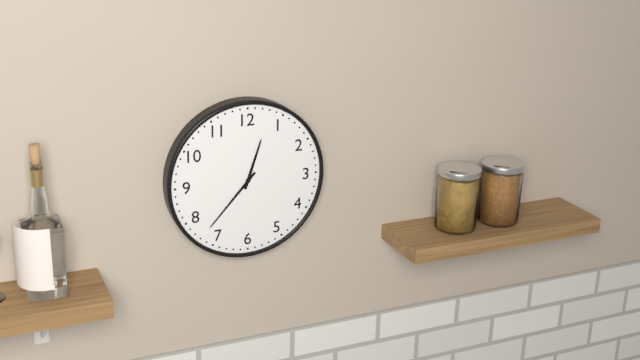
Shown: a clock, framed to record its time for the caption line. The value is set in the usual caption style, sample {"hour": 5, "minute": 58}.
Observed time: {"hour": 12, "minute": 37}
